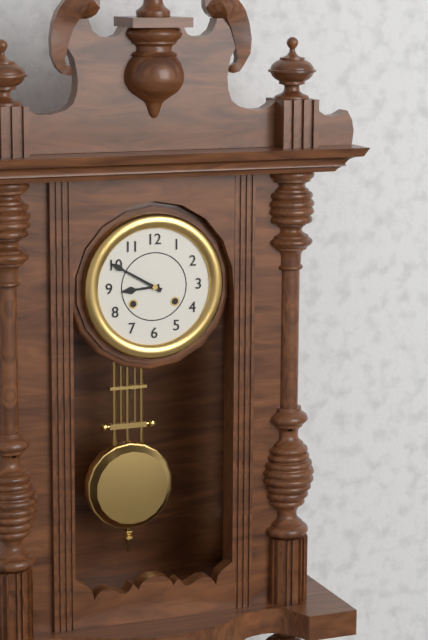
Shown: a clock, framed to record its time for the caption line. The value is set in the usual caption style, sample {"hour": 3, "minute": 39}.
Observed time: {"hour": 8, "minute": 50}
